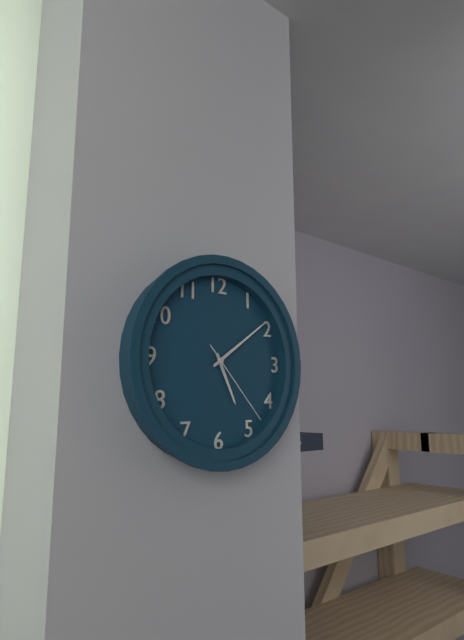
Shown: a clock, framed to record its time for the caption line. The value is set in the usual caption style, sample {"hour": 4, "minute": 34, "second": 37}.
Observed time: {"hour": 5, "minute": 9, "second": 23}
